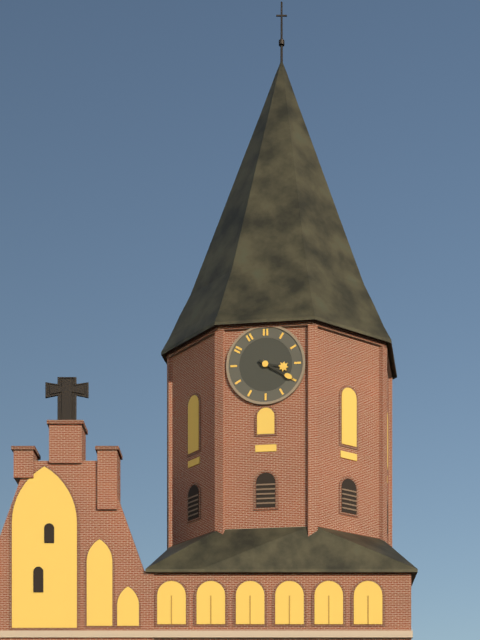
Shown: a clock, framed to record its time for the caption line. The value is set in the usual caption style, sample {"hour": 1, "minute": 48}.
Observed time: {"hour": 3, "minute": 20}
